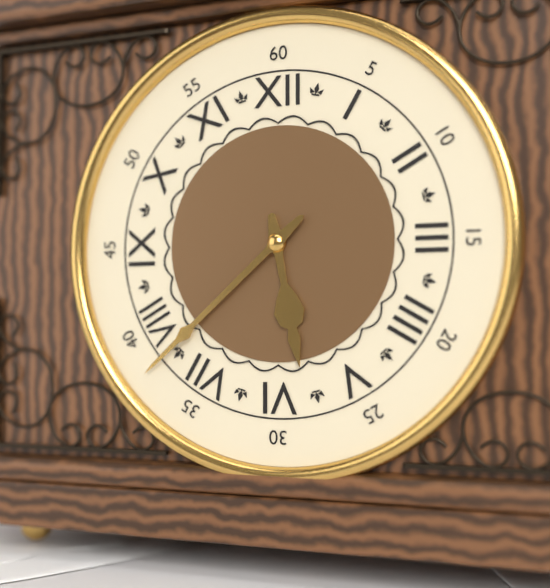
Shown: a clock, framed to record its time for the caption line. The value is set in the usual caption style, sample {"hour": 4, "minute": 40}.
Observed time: {"hour": 5, "minute": 38}
